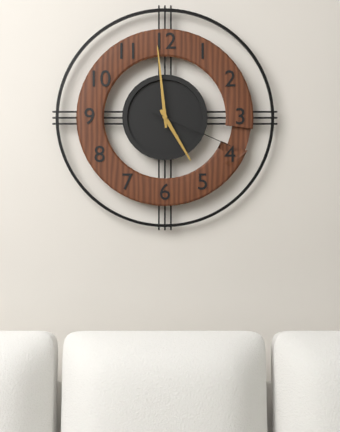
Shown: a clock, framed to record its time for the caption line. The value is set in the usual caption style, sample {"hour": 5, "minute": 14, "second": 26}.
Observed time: {"hour": 4, "minute": 59, "second": 19}
